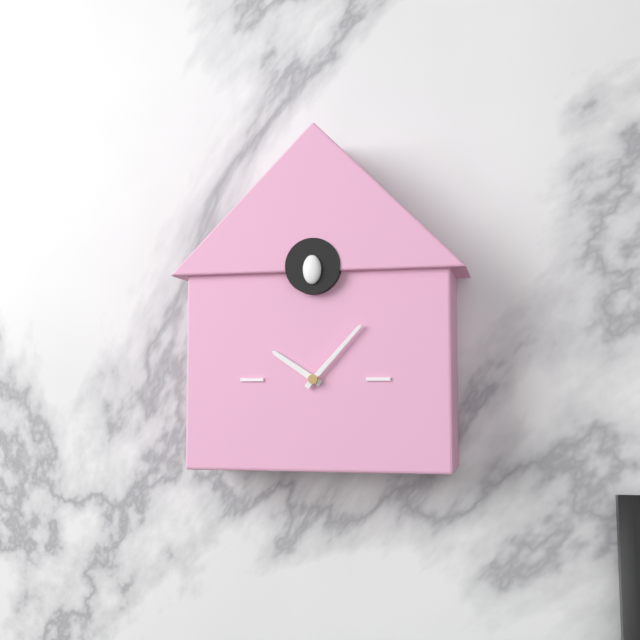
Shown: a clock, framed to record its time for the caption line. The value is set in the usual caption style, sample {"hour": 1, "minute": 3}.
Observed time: {"hour": 10, "minute": 7}
